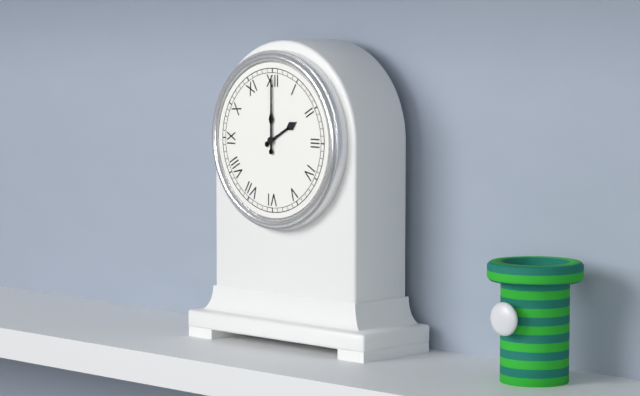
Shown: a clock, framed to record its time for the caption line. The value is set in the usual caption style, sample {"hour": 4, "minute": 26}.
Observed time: {"hour": 2, "minute": 0}
